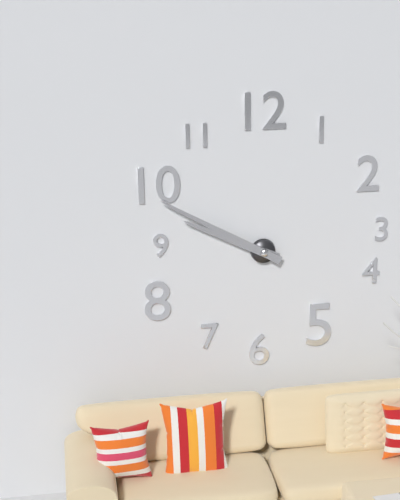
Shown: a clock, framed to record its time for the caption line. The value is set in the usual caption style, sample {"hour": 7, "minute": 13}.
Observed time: {"hour": 9, "minute": 50}
